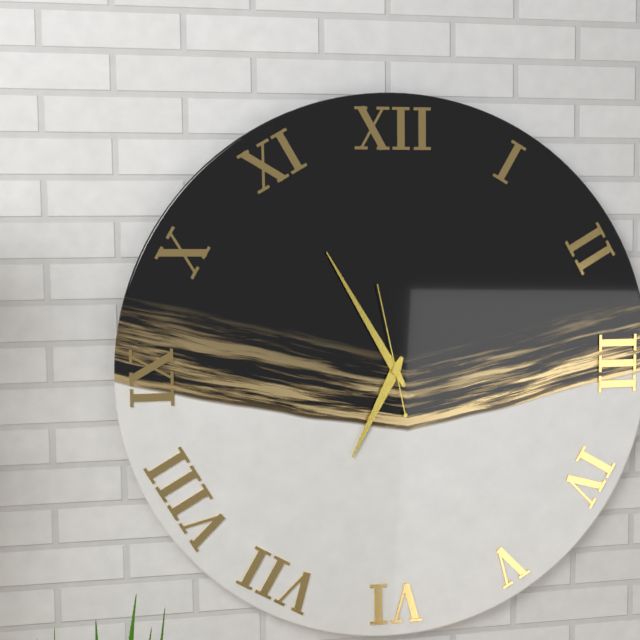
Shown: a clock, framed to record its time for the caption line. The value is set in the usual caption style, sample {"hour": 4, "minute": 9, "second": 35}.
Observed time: {"hour": 6, "minute": 55, "second": 58}
